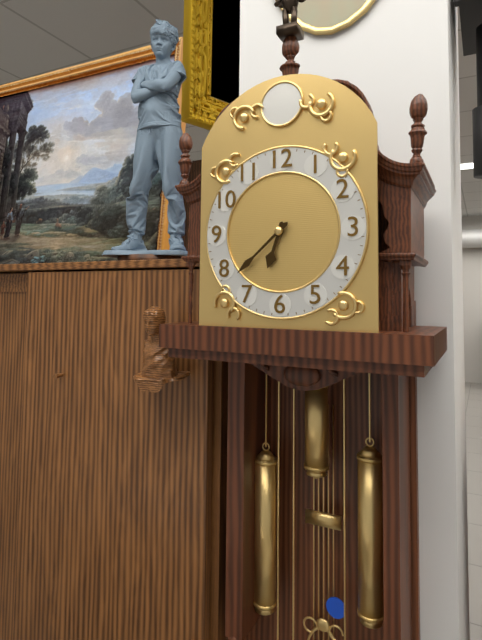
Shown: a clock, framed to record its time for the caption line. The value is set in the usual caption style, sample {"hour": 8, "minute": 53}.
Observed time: {"hour": 6, "minute": 38}
